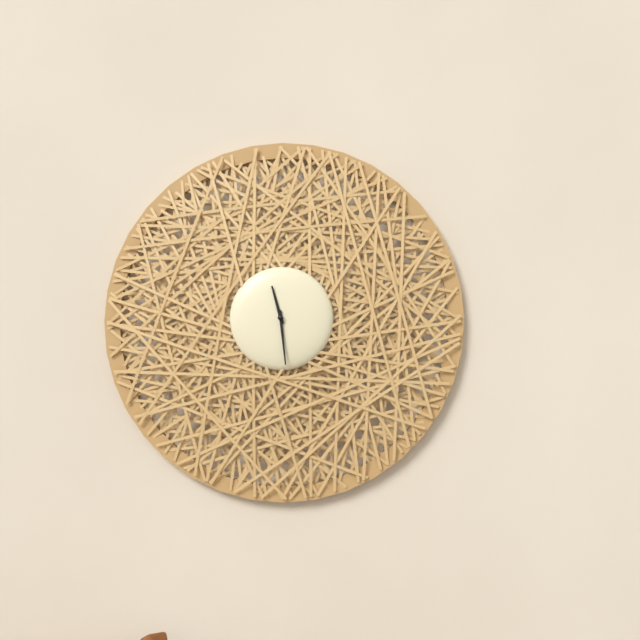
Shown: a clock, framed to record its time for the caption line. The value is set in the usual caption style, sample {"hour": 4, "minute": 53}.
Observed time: {"hour": 11, "minute": 29}
